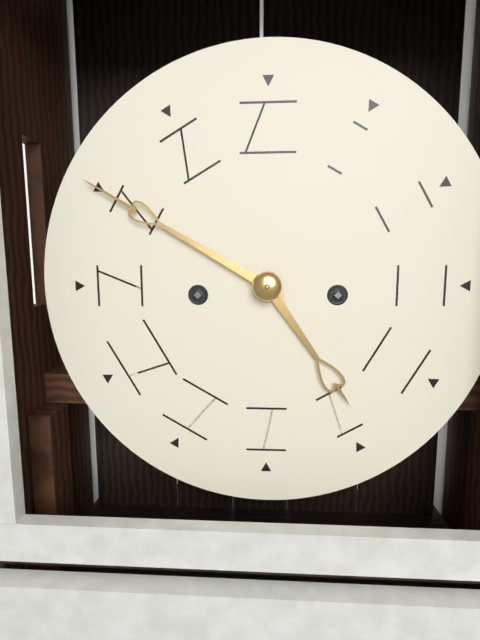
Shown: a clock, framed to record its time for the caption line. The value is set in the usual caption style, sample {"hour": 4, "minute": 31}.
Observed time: {"hour": 4, "minute": 50}
